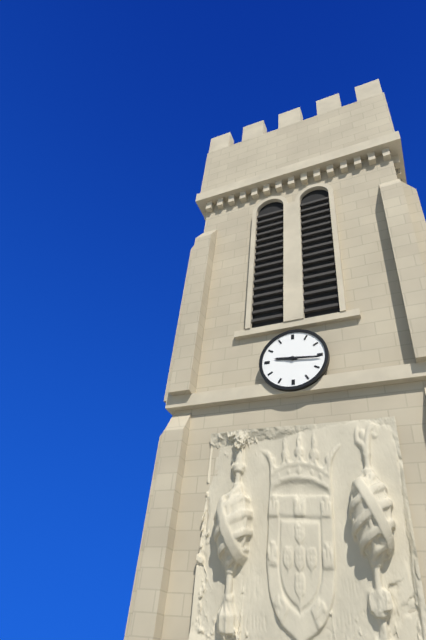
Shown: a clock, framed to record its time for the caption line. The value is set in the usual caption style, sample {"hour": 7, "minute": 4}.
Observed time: {"hour": 9, "minute": 16}
